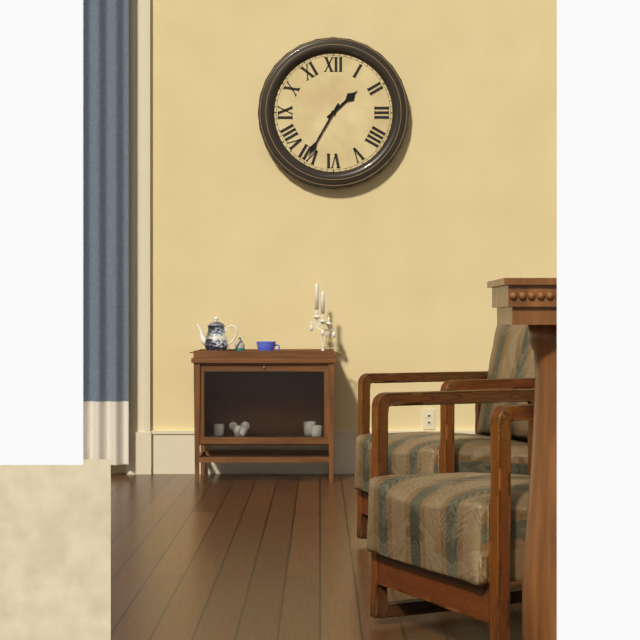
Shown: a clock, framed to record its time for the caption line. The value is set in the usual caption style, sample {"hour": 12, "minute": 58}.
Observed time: {"hour": 1, "minute": 35}
